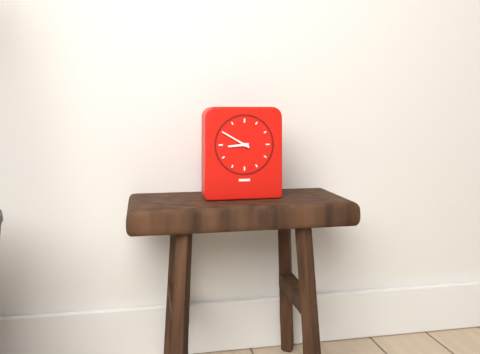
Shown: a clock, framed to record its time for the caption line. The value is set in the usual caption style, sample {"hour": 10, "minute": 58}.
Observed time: {"hour": 8, "minute": 50}
